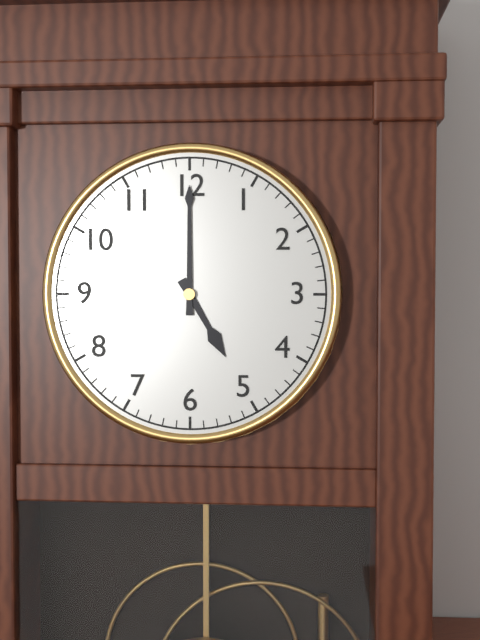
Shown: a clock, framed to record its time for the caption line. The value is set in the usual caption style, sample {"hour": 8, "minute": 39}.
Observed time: {"hour": 5, "minute": 0}
